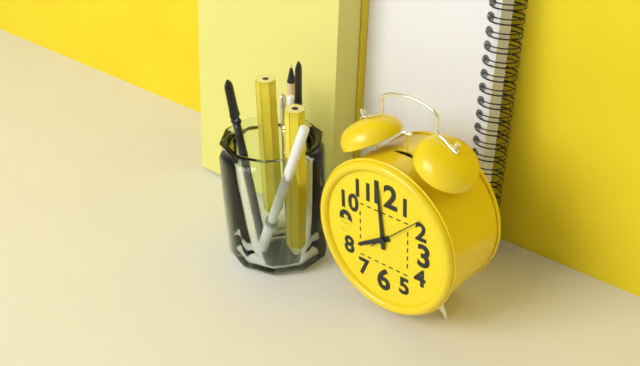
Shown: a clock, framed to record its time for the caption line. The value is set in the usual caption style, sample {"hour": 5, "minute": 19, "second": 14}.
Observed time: {"hour": 7, "minute": 59, "second": 8}
